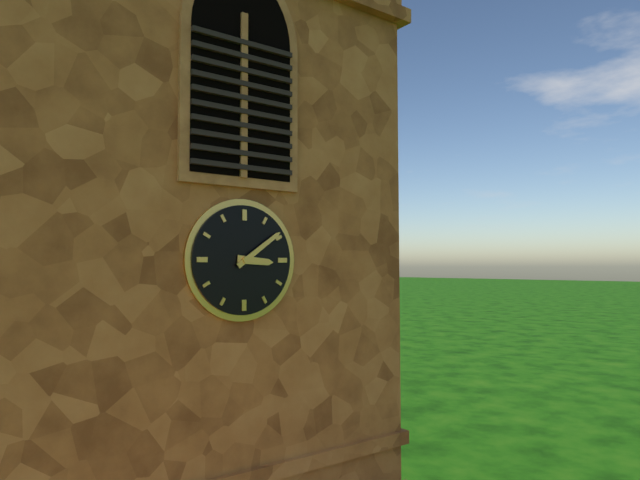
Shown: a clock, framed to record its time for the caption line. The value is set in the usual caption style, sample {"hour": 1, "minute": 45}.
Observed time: {"hour": 3, "minute": 9}
